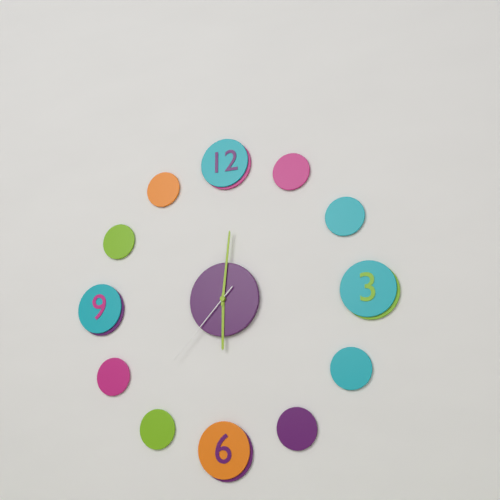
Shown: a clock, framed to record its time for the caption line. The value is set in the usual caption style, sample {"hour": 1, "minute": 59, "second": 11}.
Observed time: {"hour": 6, "minute": 1, "second": 37}
